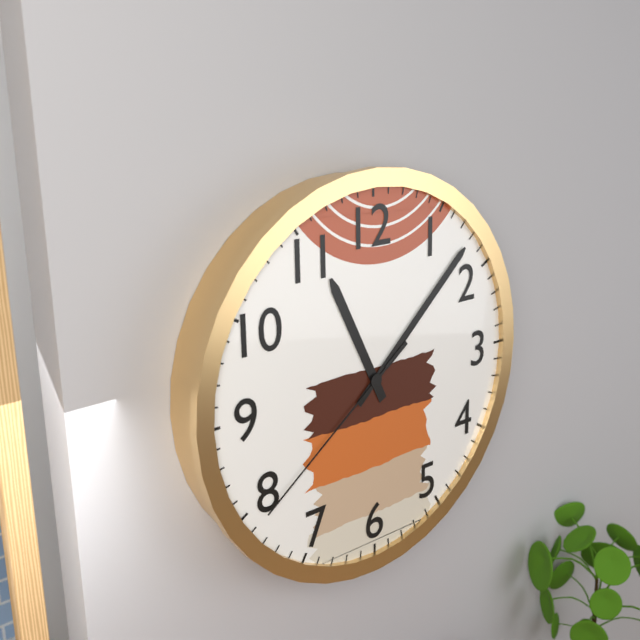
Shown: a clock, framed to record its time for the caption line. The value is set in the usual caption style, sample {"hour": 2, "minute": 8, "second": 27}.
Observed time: {"hour": 11, "minute": 8, "second": 39}
